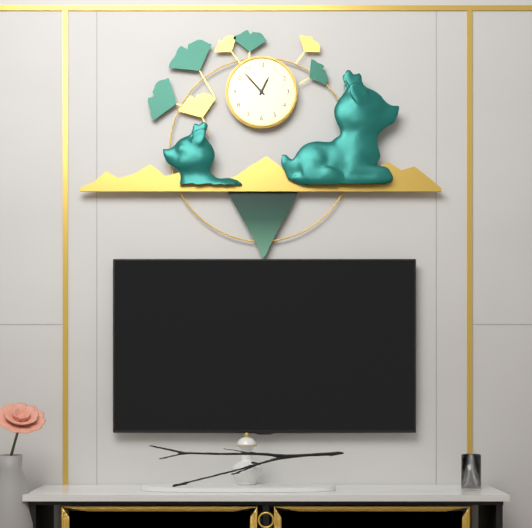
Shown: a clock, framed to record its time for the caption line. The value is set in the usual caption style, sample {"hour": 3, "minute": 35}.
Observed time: {"hour": 12, "minute": 53}
